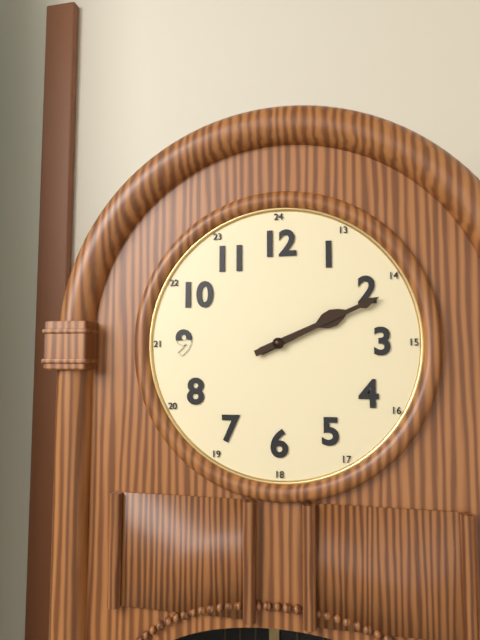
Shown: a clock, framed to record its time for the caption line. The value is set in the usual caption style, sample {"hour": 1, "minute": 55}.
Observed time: {"hour": 2, "minute": 11}
